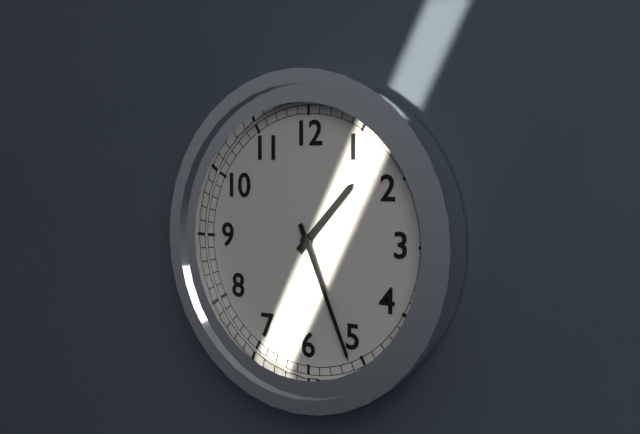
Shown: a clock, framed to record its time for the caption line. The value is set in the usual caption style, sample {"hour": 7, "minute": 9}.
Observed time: {"hour": 1, "minute": 26}
